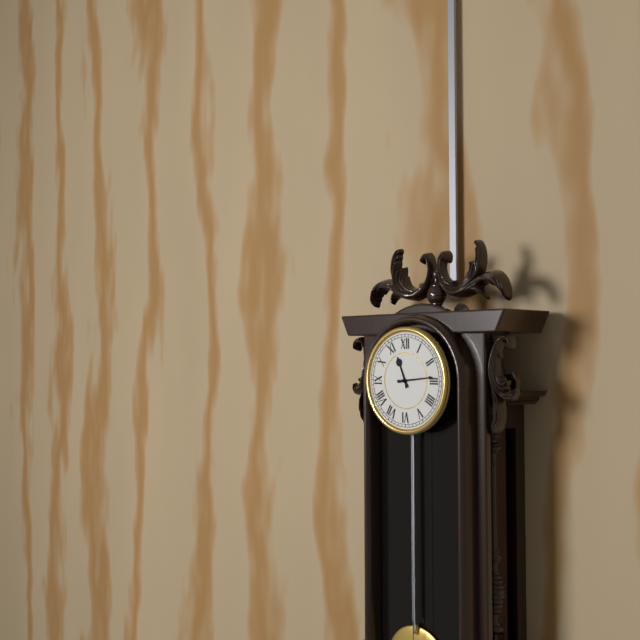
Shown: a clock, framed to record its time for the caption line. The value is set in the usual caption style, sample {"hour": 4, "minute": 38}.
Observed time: {"hour": 11, "minute": 14}
